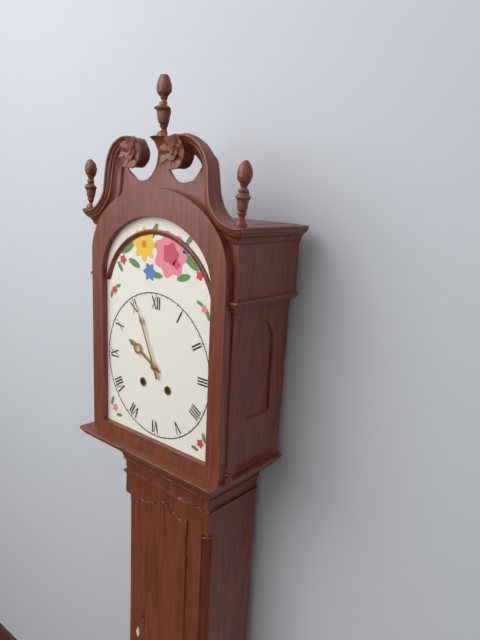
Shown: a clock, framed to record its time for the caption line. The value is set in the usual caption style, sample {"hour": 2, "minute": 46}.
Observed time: {"hour": 9, "minute": 56}
